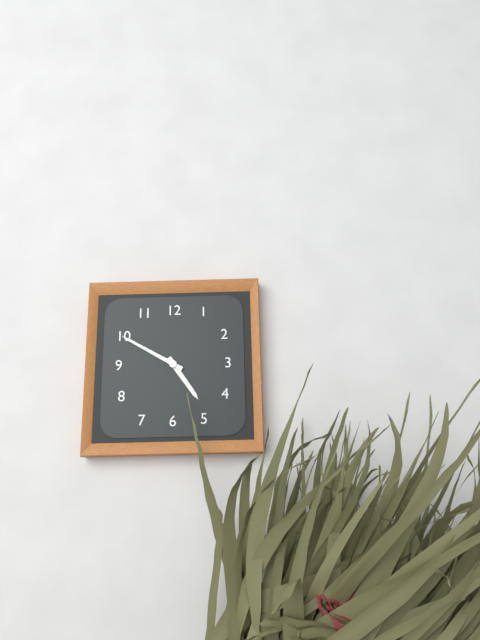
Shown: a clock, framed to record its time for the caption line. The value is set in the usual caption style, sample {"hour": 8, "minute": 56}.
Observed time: {"hour": 4, "minute": 50}
